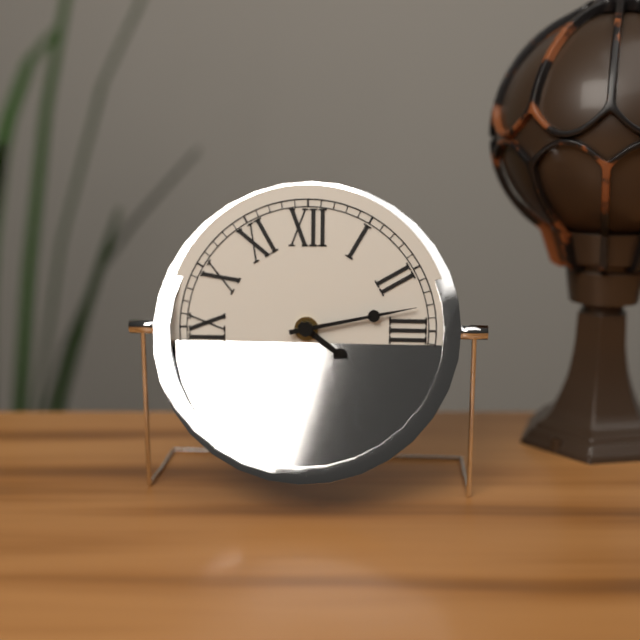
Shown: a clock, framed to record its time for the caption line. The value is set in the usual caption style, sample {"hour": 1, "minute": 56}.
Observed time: {"hour": 4, "minute": 13}
